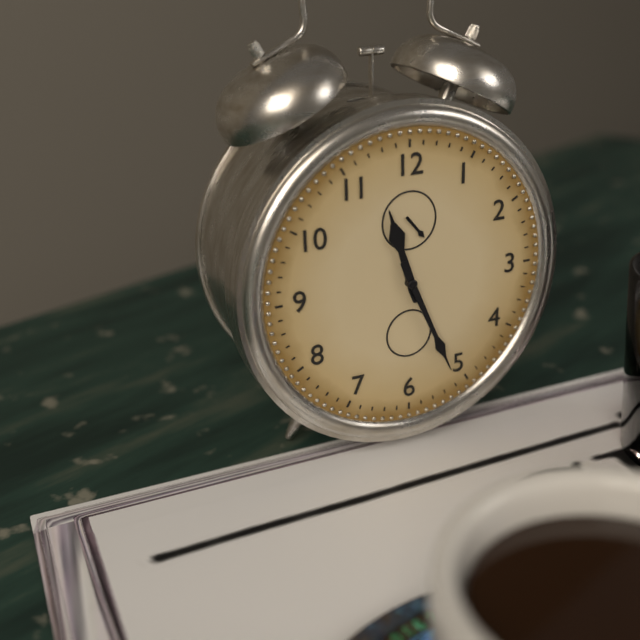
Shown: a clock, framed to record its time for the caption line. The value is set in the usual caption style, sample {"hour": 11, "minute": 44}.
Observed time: {"hour": 11, "minute": 26}
